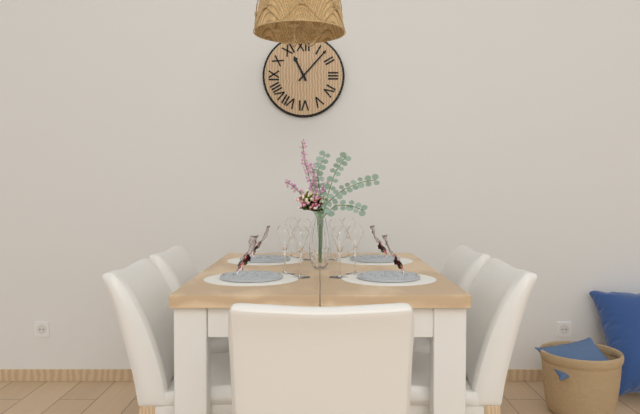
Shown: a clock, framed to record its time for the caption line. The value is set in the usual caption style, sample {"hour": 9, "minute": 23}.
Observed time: {"hour": 11, "minute": 7}
